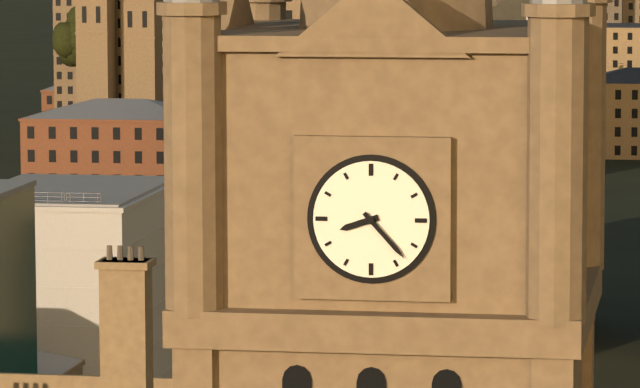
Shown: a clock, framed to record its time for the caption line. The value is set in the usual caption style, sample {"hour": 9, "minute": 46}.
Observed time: {"hour": 8, "minute": 23}
